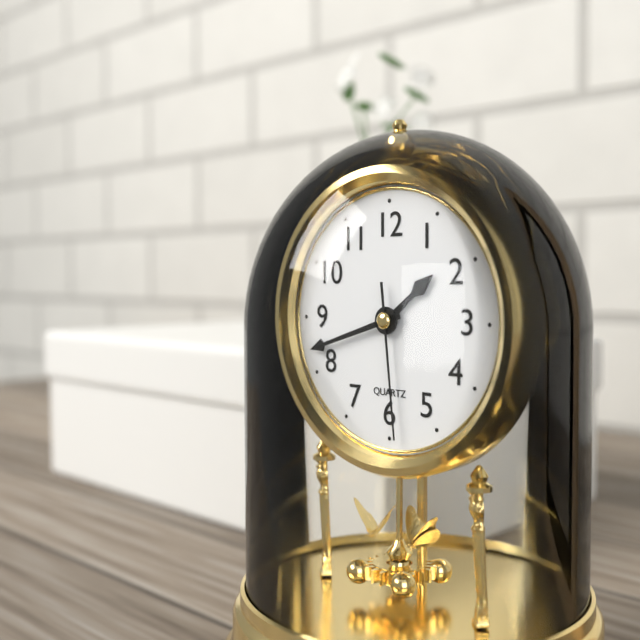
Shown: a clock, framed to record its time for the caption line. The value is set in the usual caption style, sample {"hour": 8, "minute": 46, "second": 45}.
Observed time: {"hour": 1, "minute": 42, "second": 29}
